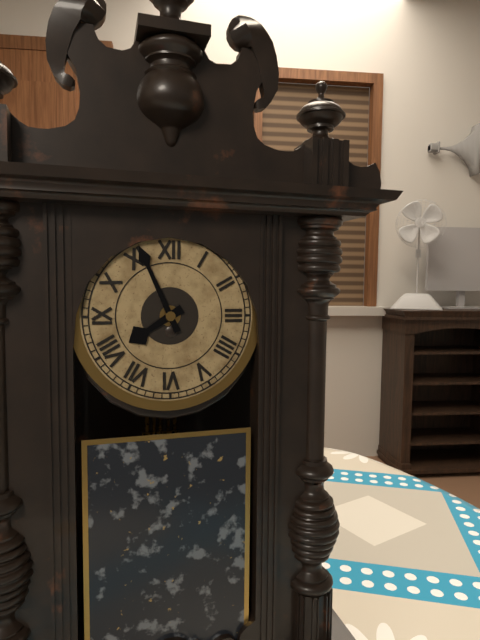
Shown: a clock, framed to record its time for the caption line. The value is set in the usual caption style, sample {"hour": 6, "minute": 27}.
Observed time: {"hour": 7, "minute": 56}
